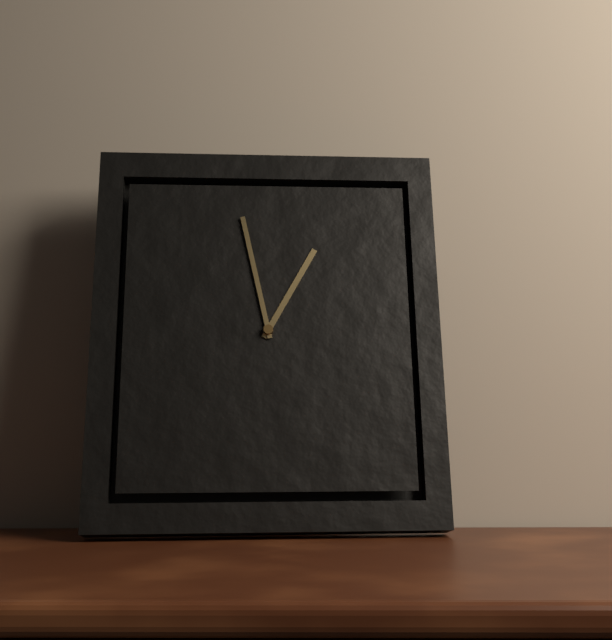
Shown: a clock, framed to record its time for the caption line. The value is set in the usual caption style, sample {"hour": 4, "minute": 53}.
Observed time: {"hour": 12, "minute": 58}
